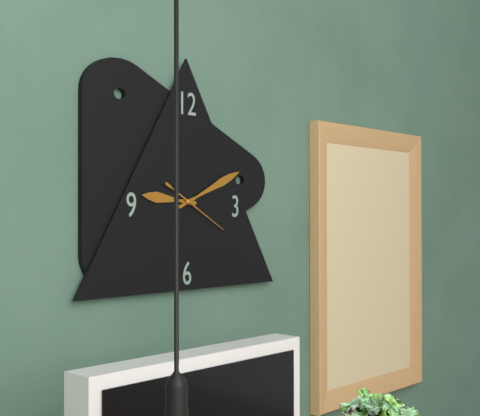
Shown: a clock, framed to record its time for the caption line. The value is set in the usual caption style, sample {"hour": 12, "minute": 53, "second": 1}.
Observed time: {"hour": 9, "minute": 11, "second": 20}
